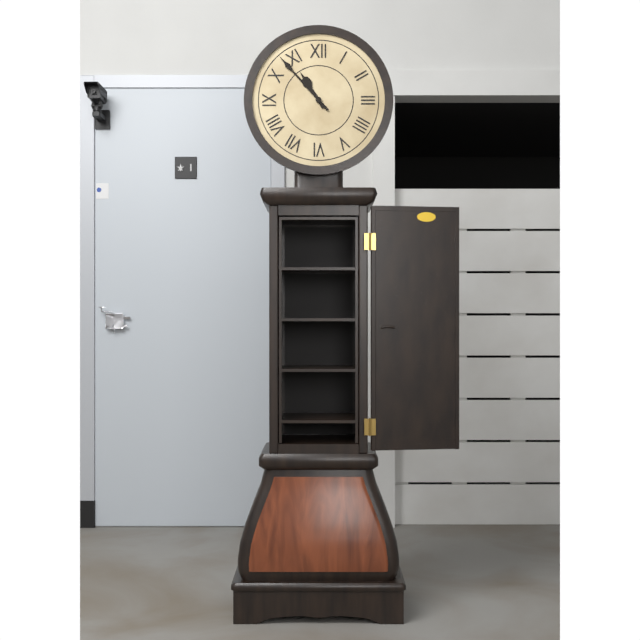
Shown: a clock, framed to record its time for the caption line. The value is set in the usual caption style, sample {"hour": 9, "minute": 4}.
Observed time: {"hour": 10, "minute": 53}
